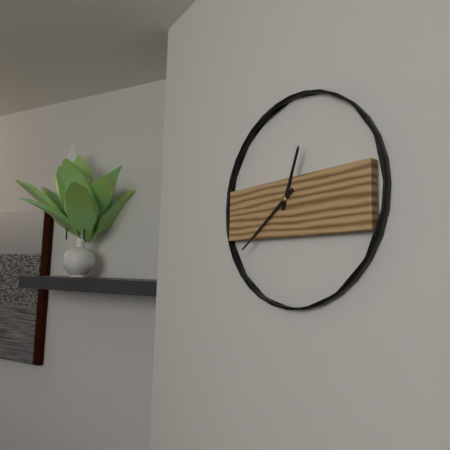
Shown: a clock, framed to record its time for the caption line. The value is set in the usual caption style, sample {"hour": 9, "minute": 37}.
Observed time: {"hour": 12, "minute": 39}
